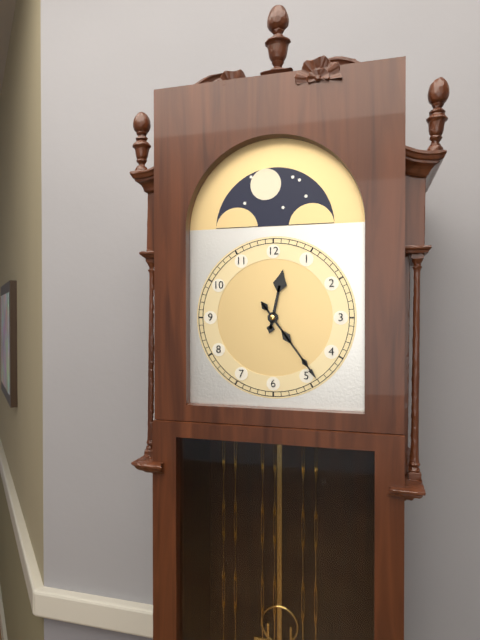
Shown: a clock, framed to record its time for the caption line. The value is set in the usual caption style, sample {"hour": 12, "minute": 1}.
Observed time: {"hour": 12, "minute": 24}
